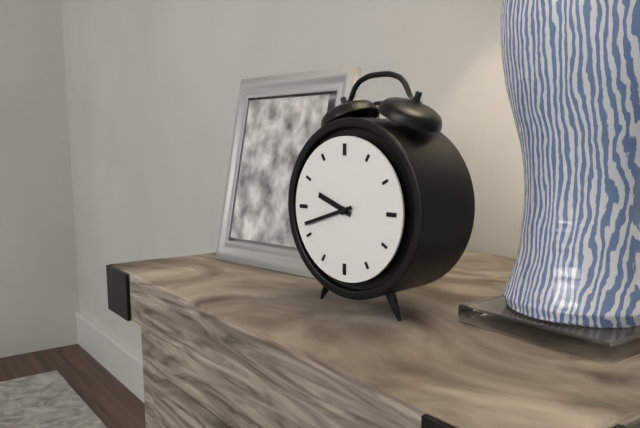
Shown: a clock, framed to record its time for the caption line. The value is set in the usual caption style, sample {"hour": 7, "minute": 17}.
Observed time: {"hour": 9, "minute": 42}
